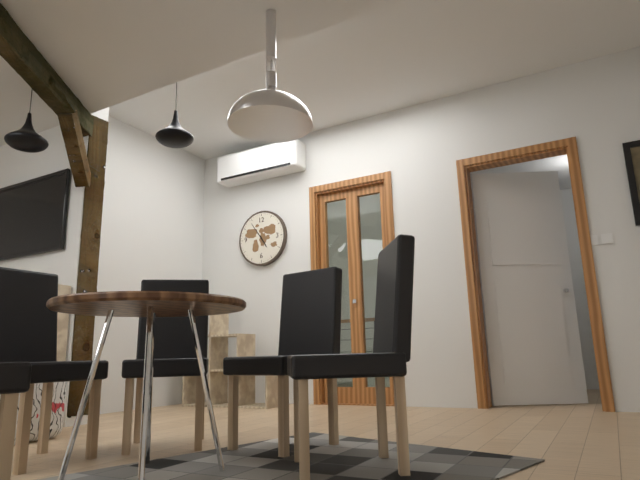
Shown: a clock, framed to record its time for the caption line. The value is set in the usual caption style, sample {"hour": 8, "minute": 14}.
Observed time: {"hour": 4, "minute": 54}
